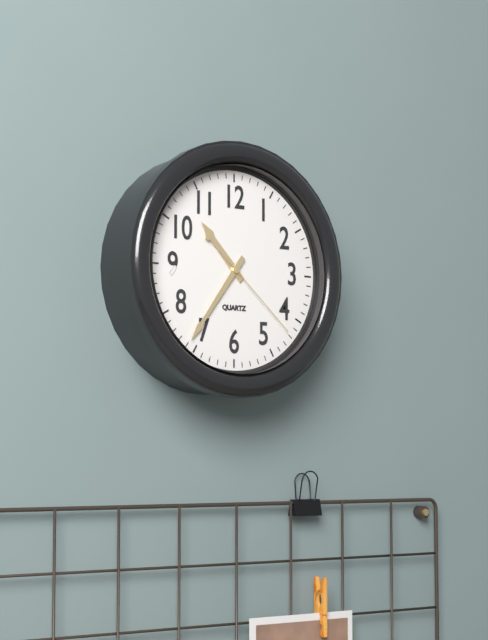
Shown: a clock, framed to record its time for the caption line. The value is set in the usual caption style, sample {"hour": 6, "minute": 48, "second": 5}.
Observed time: {"hour": 10, "minute": 36, "second": 22}
